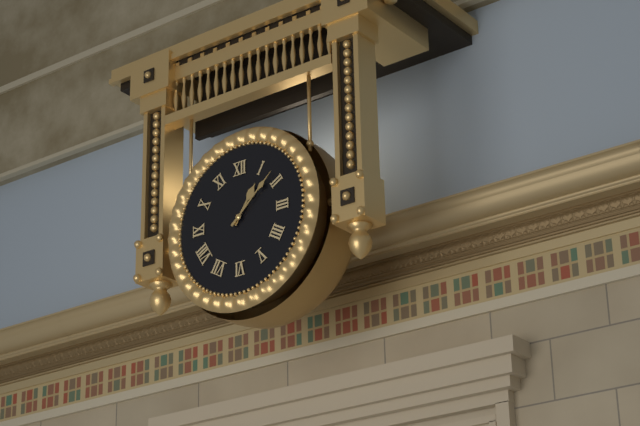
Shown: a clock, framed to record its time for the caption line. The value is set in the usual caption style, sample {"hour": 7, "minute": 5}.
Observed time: {"hour": 1, "minute": 8}
